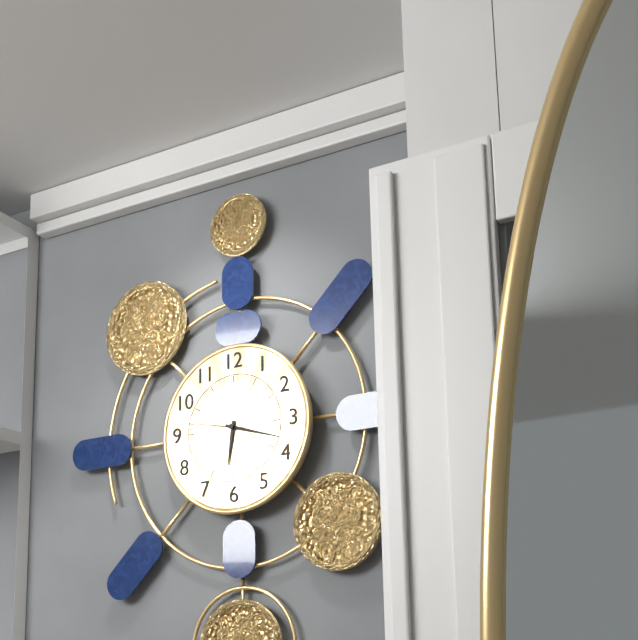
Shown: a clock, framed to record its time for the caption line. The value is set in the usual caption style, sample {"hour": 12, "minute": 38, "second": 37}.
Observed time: {"hour": 6, "minute": 18, "second": 47}
